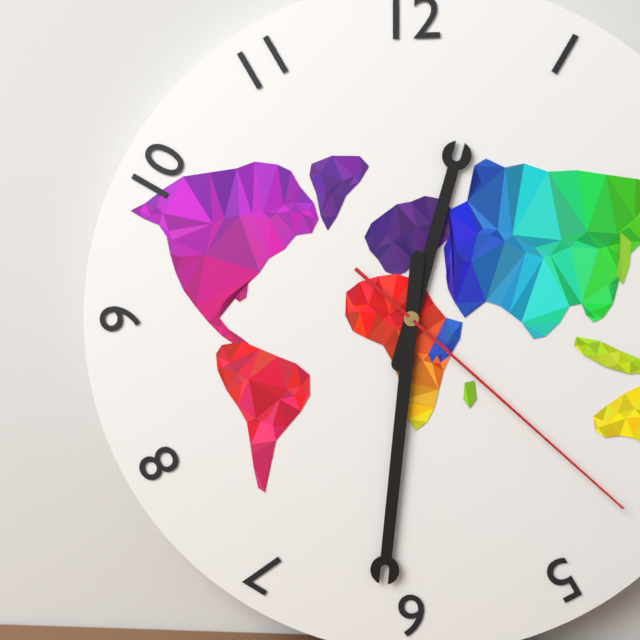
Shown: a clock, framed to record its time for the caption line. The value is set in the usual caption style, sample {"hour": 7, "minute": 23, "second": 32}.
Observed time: {"hour": 12, "minute": 31, "second": 22}
